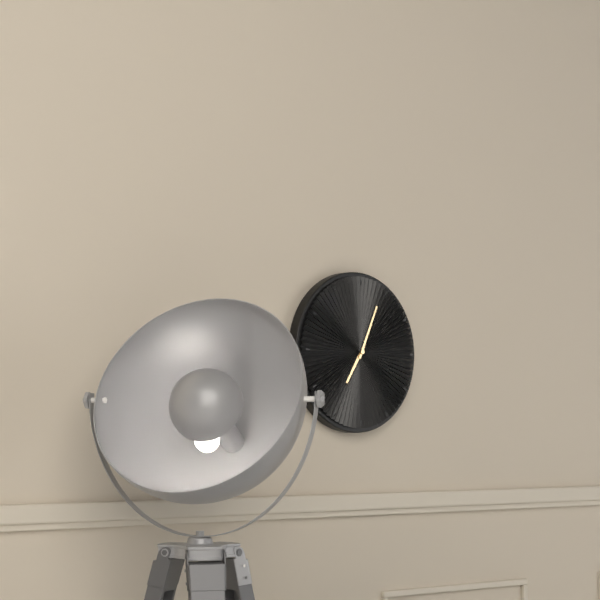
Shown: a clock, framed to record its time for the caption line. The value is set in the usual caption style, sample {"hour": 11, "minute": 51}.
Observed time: {"hour": 7, "minute": 4}
